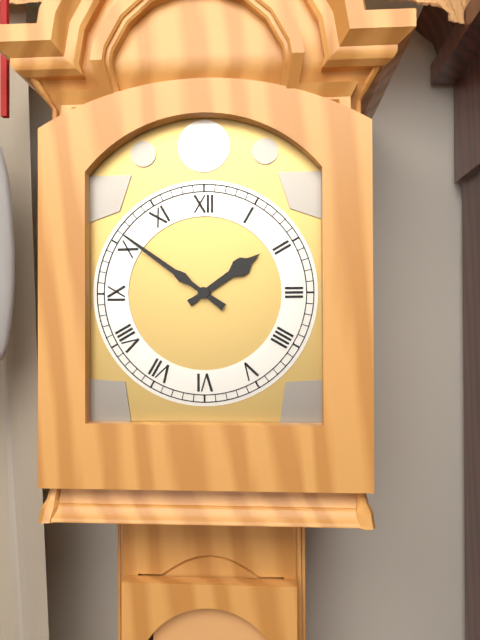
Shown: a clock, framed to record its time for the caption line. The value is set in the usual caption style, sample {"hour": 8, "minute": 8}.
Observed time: {"hour": 1, "minute": 51}
